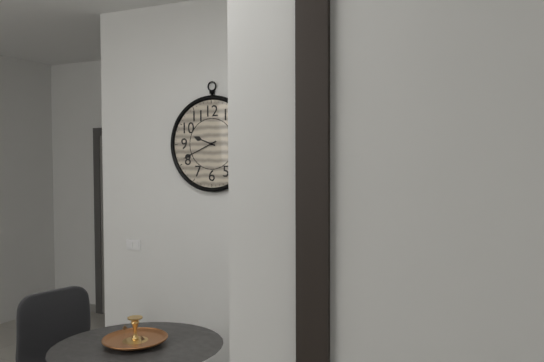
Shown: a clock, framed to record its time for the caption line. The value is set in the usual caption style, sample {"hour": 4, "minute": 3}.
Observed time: {"hour": 9, "minute": 41}
